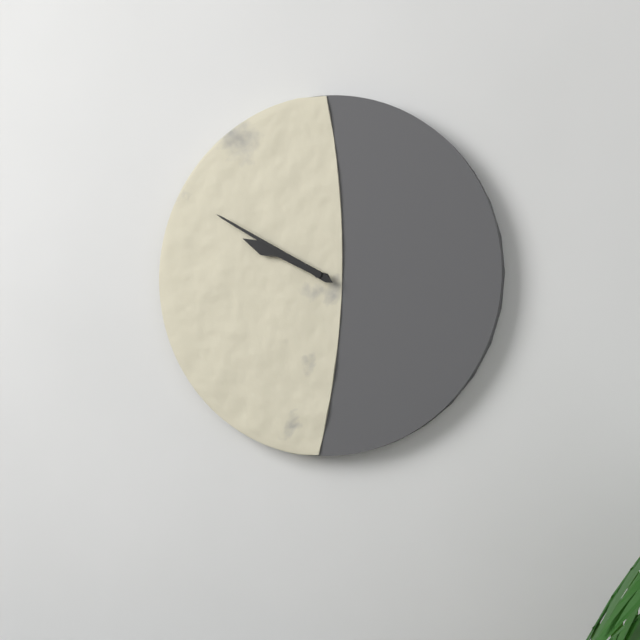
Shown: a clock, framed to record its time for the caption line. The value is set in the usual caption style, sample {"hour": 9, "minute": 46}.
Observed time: {"hour": 9, "minute": 50}
